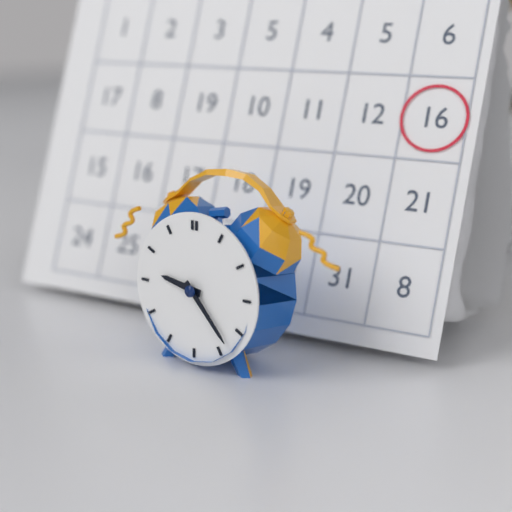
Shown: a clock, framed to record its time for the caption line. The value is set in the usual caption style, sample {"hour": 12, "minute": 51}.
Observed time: {"hour": 9, "minute": 23}
